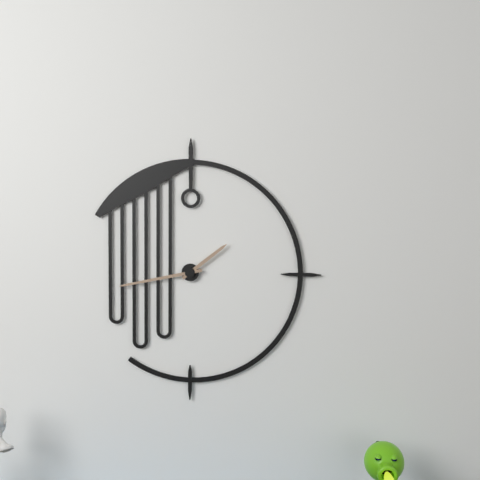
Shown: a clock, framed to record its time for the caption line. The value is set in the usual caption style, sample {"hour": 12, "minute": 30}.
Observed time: {"hour": 1, "minute": 43}
